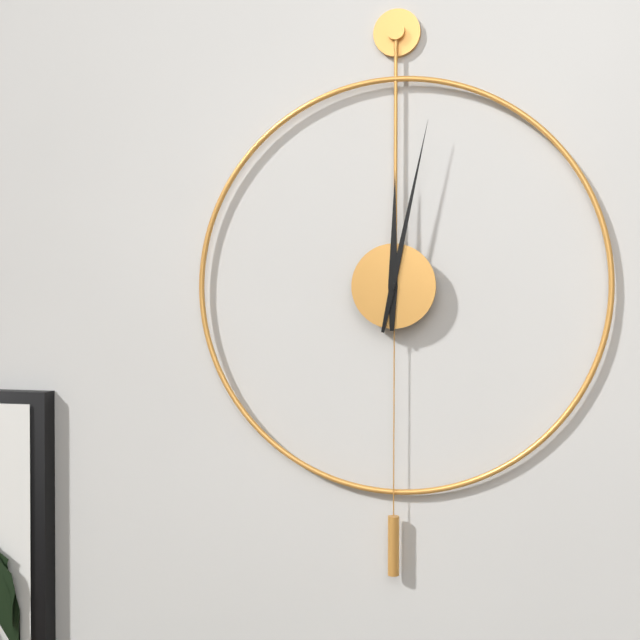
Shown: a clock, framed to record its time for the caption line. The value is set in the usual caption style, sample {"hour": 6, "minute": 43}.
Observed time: {"hour": 12, "minute": 2}
